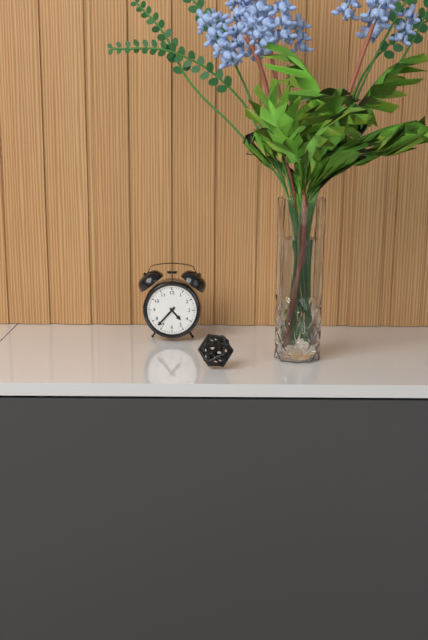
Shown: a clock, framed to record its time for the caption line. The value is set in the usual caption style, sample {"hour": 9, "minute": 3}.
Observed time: {"hour": 4, "minute": 37}
